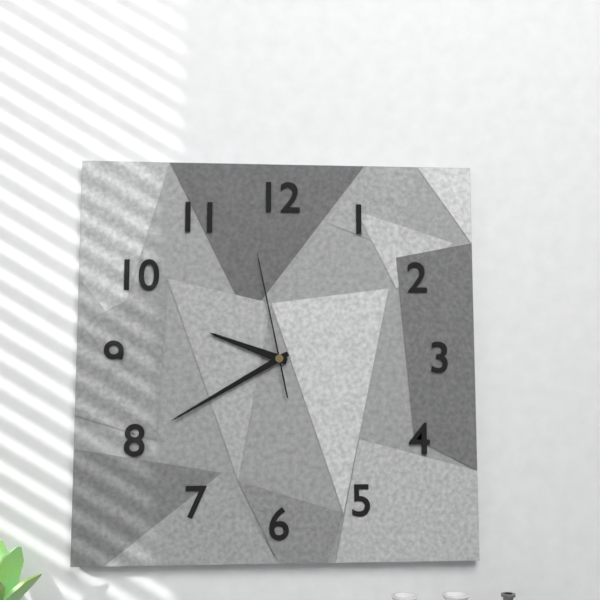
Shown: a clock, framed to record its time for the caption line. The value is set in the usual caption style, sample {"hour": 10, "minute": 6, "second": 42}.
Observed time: {"hour": 9, "minute": 40, "second": 58}
